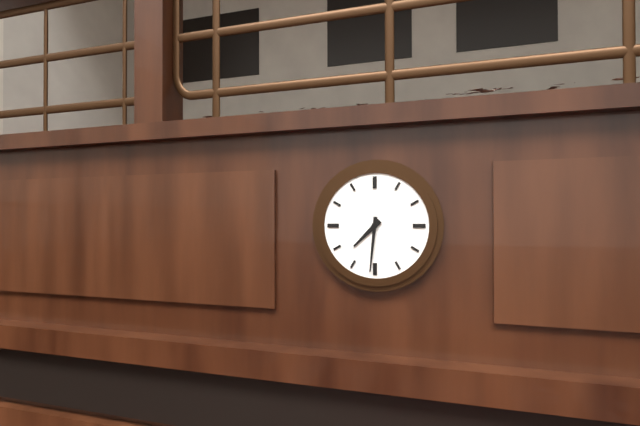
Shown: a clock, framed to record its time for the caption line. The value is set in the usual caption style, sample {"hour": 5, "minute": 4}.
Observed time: {"hour": 7, "minute": 31}
